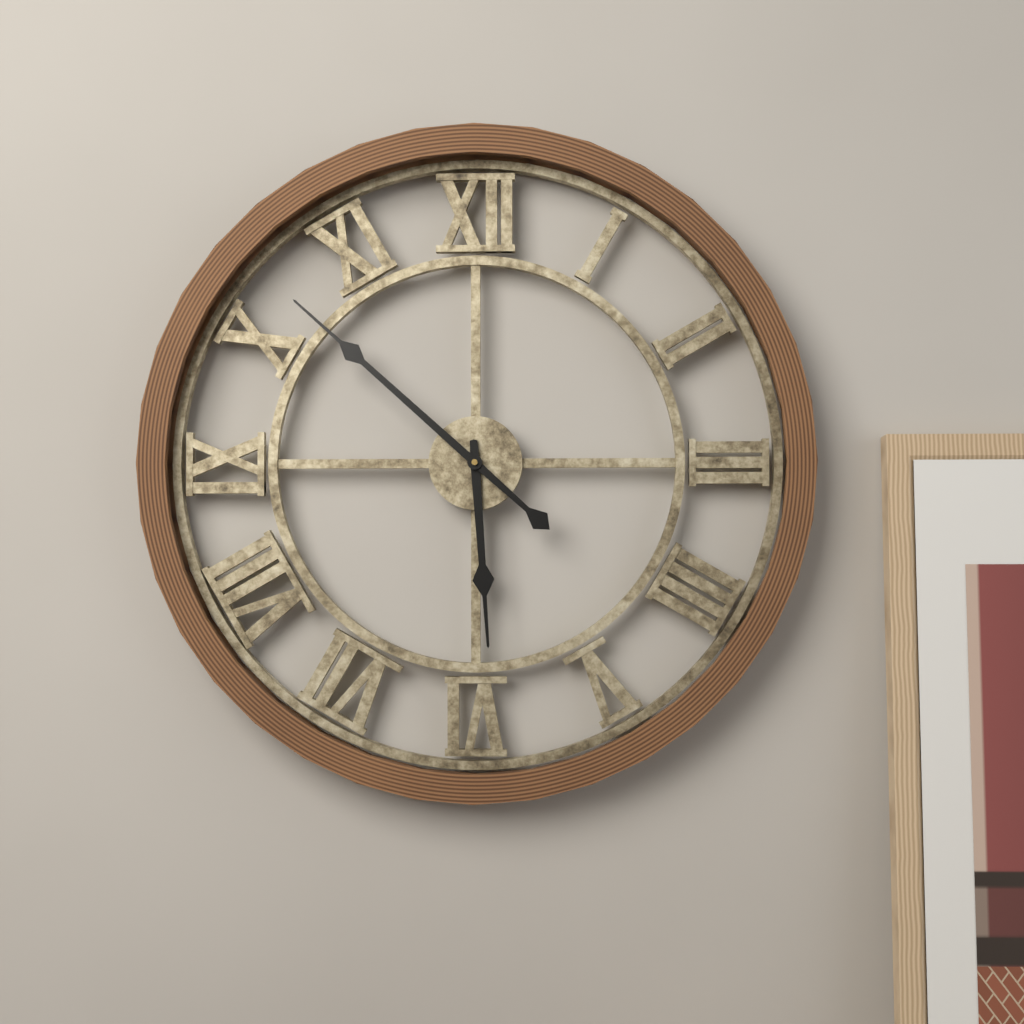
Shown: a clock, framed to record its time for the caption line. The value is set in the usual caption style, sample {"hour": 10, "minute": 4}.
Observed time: {"hour": 5, "minute": 52}
